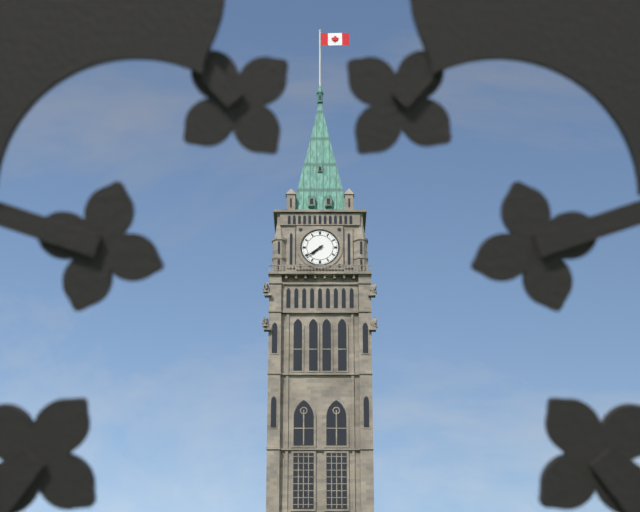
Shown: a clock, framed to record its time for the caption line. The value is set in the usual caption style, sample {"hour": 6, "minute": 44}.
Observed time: {"hour": 7, "minute": 39}
